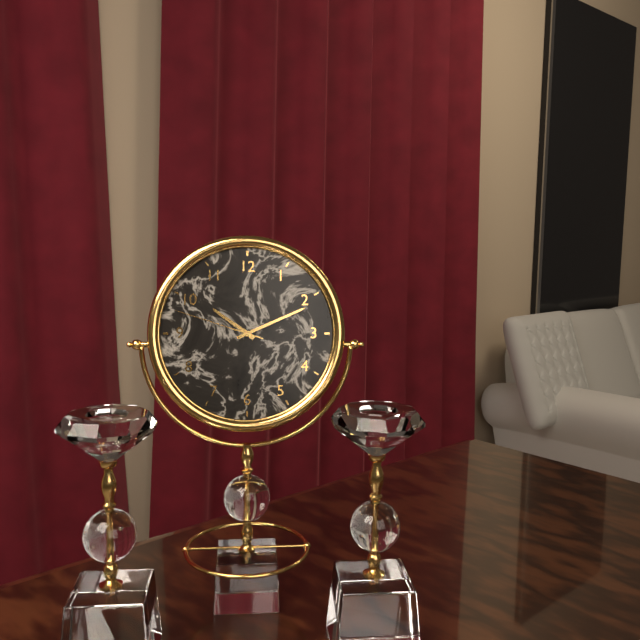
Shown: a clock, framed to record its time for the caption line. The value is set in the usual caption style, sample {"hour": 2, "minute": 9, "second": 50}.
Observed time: {"hour": 10, "minute": 11, "second": 48}
